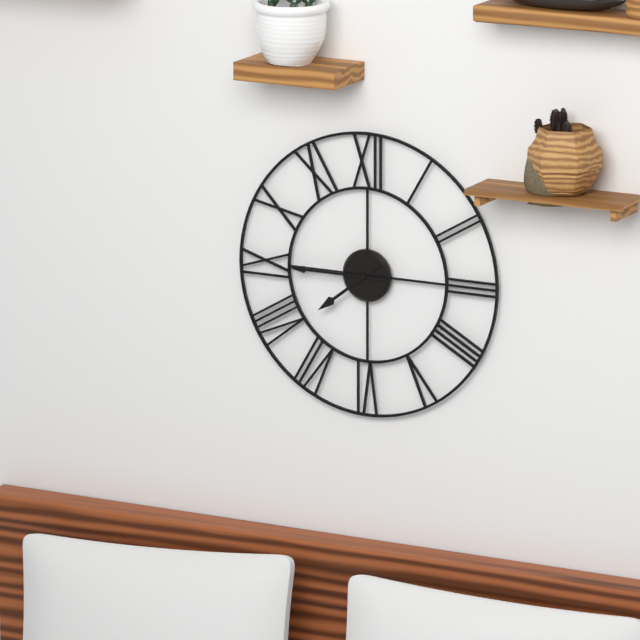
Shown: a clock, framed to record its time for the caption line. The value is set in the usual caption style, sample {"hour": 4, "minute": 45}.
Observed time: {"hour": 7, "minute": 45}
